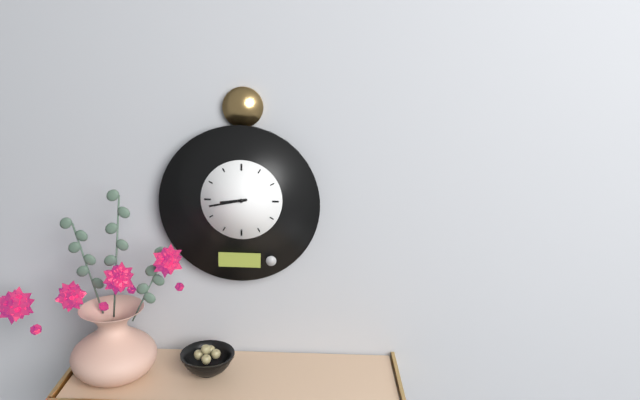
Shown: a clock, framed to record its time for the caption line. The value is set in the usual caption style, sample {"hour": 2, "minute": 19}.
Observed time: {"hour": 8, "minute": 43}
